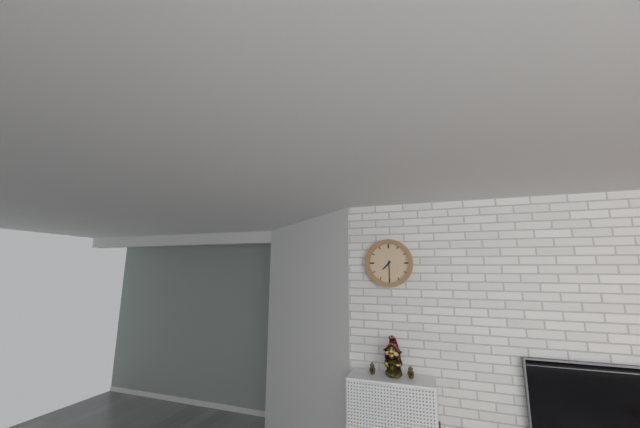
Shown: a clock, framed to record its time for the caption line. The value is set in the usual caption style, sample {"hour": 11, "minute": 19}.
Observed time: {"hour": 7, "minute": 30}
